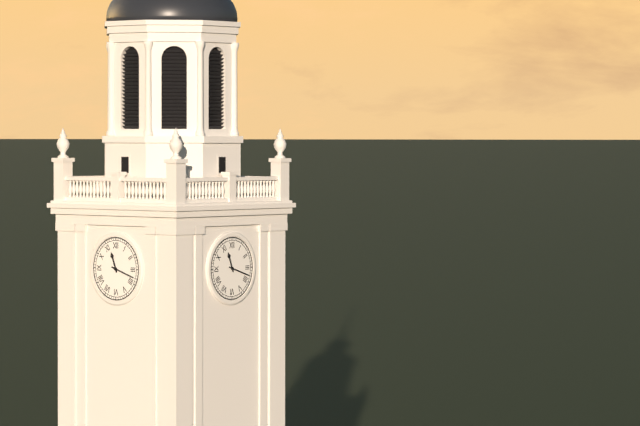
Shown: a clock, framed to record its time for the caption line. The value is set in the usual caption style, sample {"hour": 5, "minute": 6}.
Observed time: {"hour": 11, "minute": 18}
